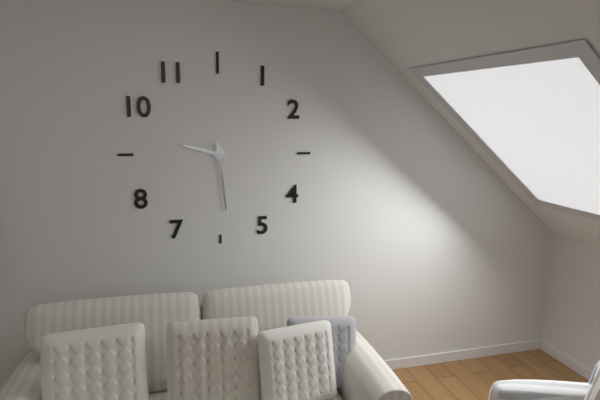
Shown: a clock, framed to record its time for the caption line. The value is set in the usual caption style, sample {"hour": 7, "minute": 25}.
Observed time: {"hour": 9, "minute": 29}
